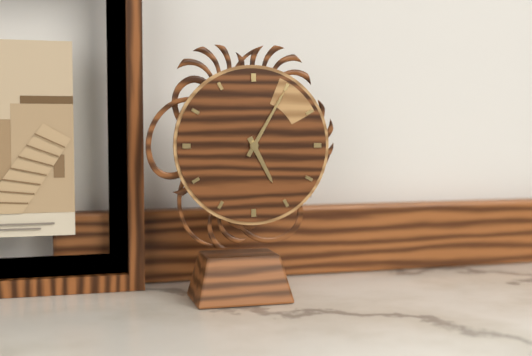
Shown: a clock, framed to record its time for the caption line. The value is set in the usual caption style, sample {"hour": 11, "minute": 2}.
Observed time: {"hour": 5, "minute": 5}
